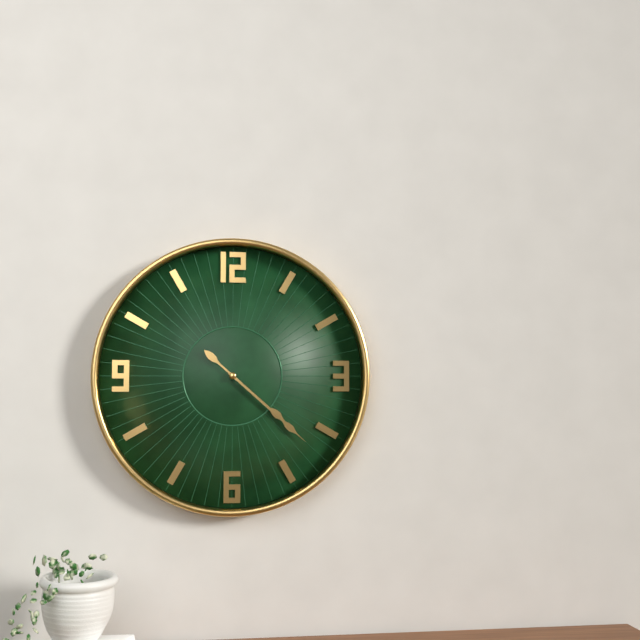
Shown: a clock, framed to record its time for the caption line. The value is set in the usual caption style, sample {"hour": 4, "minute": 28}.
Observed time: {"hour": 4, "minute": 22}
